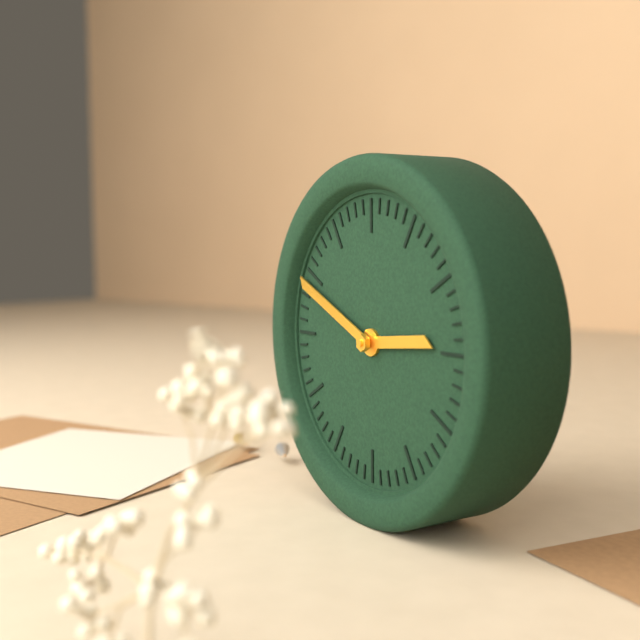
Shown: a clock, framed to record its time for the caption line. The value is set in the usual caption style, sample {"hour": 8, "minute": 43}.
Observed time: {"hour": 2, "minute": 49}
